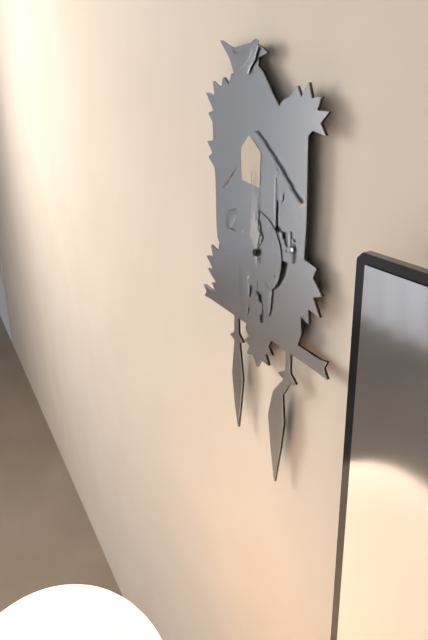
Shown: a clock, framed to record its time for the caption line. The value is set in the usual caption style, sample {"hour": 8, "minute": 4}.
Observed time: {"hour": 11, "minute": 59}
